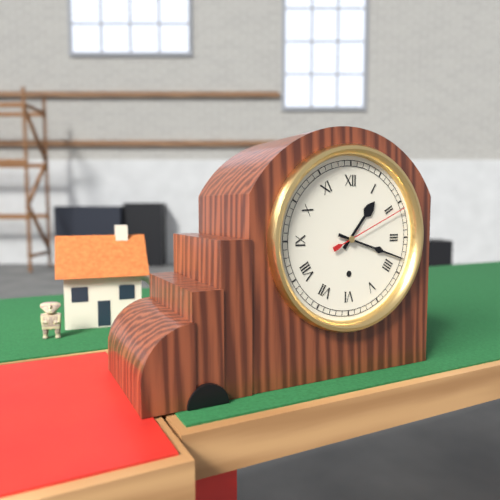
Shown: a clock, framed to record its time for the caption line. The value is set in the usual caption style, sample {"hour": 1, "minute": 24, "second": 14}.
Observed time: {"hour": 1, "minute": 18, "second": 11}
